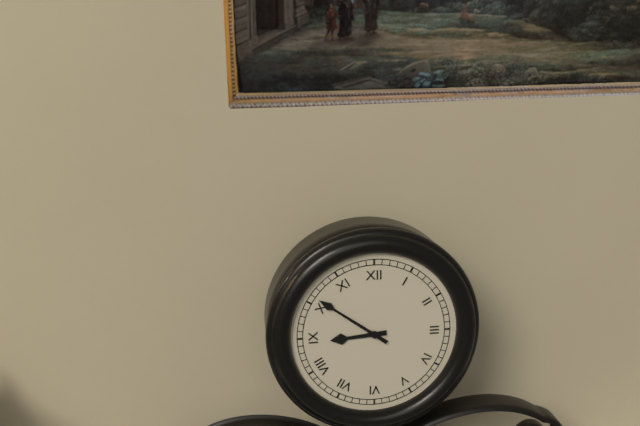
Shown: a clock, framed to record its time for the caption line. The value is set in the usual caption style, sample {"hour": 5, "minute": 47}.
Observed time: {"hour": 8, "minute": 51}
